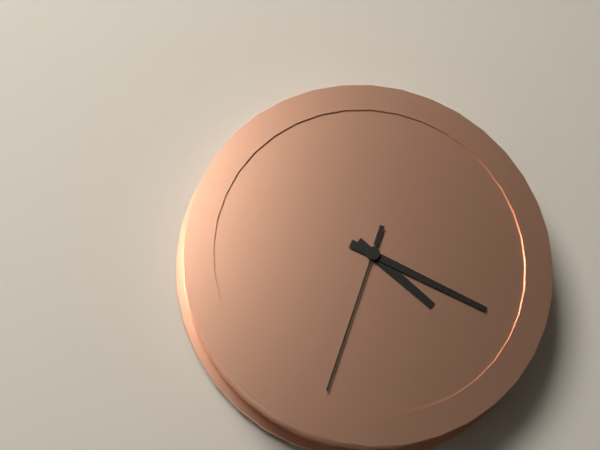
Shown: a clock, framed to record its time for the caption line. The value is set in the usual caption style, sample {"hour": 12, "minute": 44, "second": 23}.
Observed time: {"hour": 4, "minute": 19, "second": 33}
